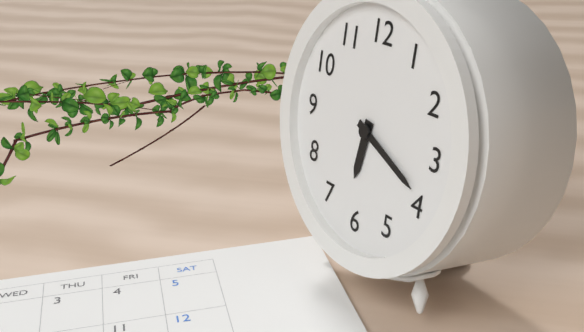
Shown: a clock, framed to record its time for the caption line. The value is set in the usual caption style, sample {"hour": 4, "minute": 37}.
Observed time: {"hour": 6, "minute": 19}
